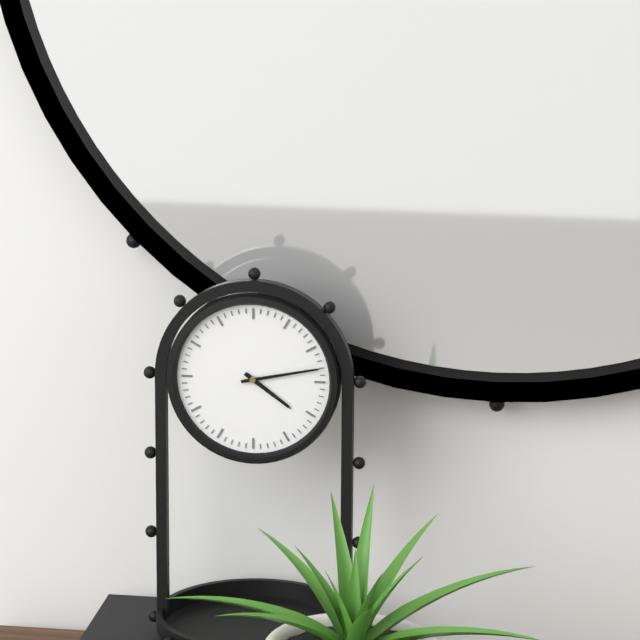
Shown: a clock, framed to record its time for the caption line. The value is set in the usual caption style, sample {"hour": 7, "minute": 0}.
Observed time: {"hour": 4, "minute": 13}
